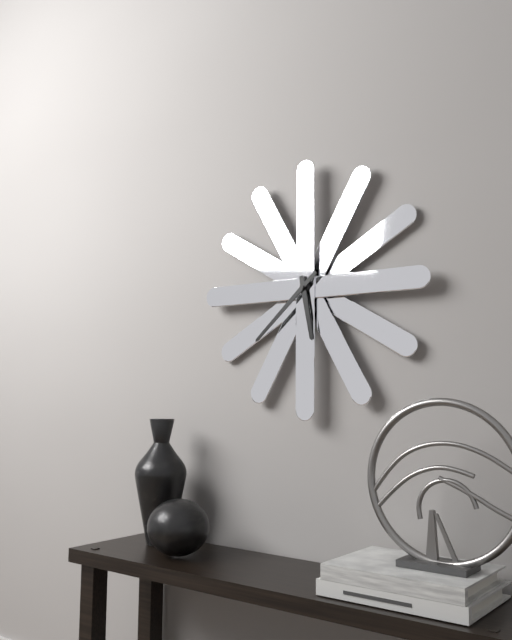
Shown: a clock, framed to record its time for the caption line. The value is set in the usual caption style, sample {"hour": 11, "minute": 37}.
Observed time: {"hour": 5, "minute": 38}
